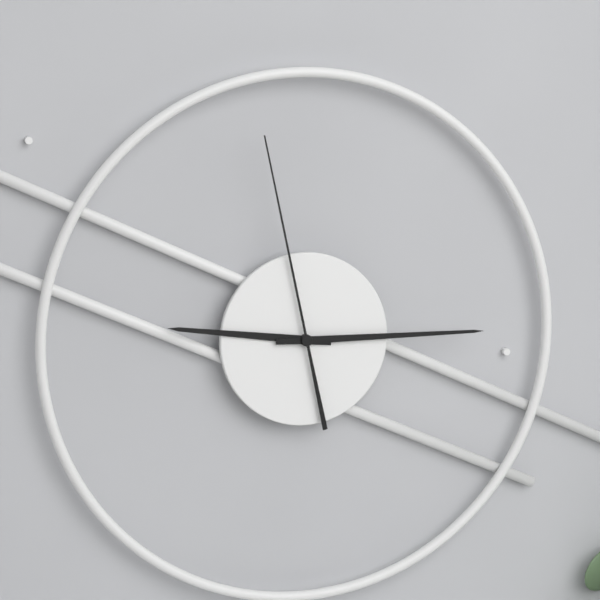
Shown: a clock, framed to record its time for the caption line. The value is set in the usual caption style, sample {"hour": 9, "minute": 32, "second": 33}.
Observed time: {"hour": 9, "minute": 15, "second": 58}
